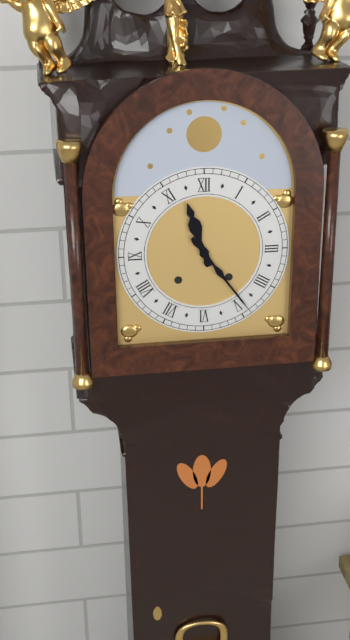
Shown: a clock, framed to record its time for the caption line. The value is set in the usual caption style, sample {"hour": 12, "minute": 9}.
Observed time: {"hour": 11, "minute": 24}
